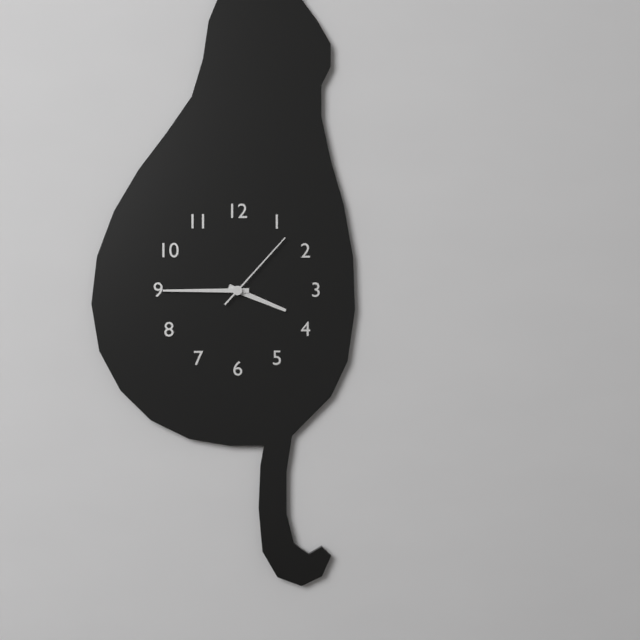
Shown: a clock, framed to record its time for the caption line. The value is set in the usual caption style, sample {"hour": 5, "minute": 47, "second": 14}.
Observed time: {"hour": 3, "minute": 45, "second": 7}
